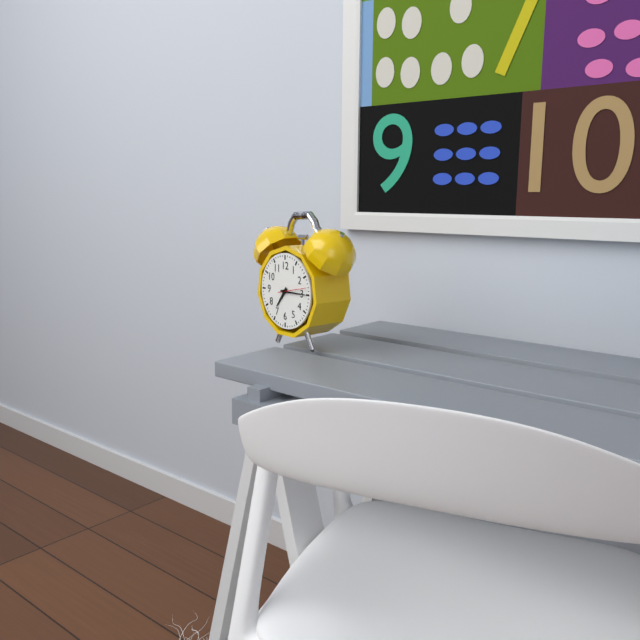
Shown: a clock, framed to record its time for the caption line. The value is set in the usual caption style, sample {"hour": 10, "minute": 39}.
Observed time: {"hour": 7, "minute": 15}
